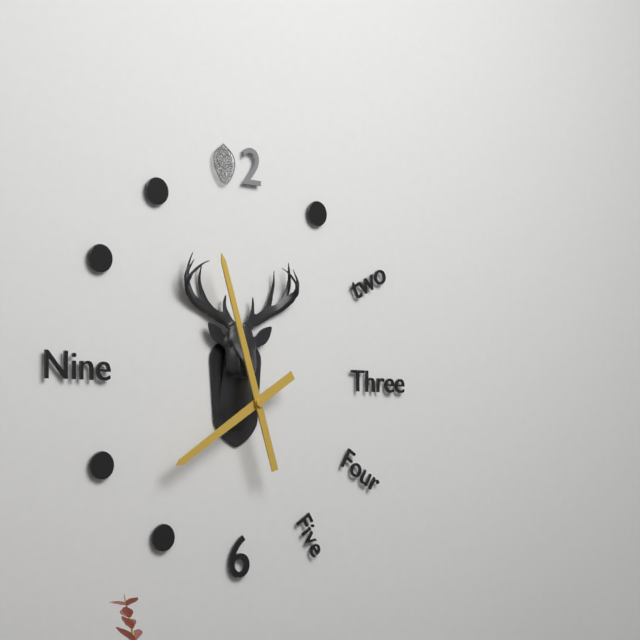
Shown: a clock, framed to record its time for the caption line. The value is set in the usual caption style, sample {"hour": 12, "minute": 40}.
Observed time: {"hour": 7, "minute": 57}
